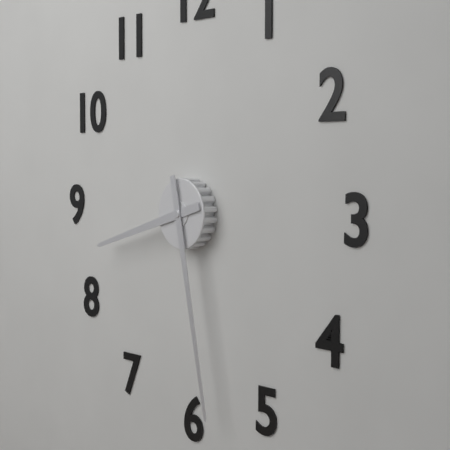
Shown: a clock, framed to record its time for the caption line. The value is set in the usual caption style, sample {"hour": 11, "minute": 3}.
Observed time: {"hour": 8, "minute": 28}
